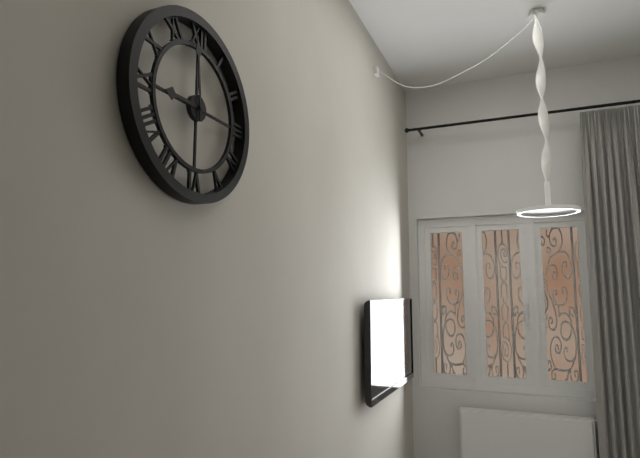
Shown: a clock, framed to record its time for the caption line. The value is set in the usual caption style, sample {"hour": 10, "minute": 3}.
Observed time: {"hour": 8, "minute": 59}
